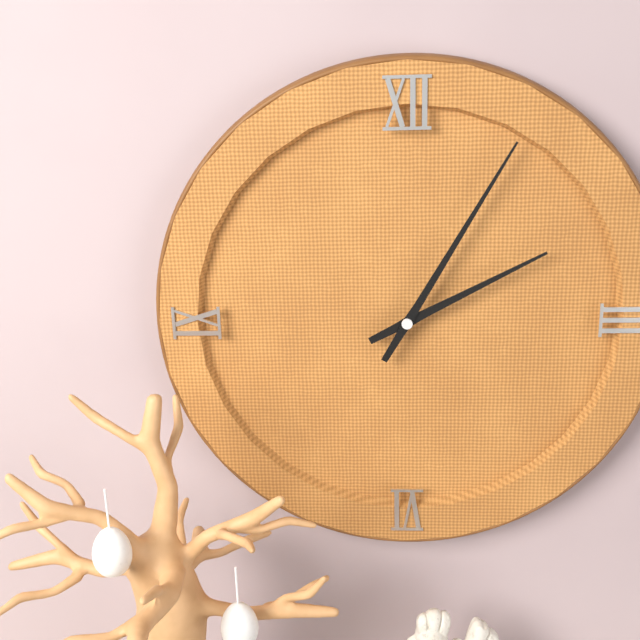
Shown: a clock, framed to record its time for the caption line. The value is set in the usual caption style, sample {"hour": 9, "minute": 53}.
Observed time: {"hour": 2, "minute": 5}
